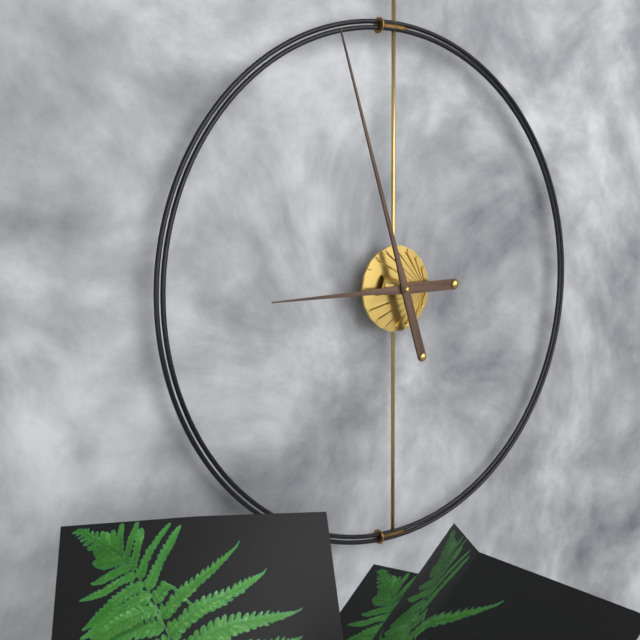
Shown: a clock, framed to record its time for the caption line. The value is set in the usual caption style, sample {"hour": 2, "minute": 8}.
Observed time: {"hour": 8, "minute": 57}
